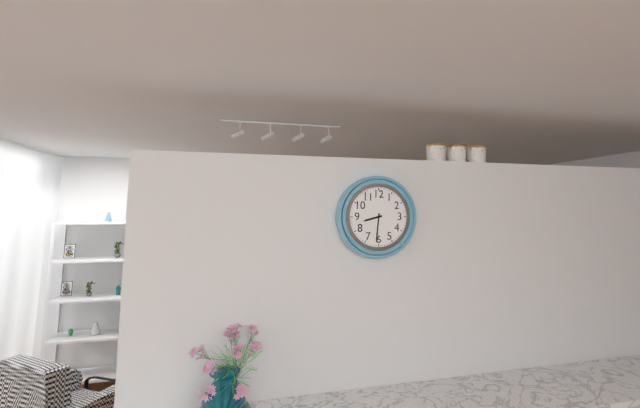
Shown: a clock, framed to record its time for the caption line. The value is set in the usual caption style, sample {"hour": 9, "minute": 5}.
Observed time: {"hour": 8, "minute": 31}
